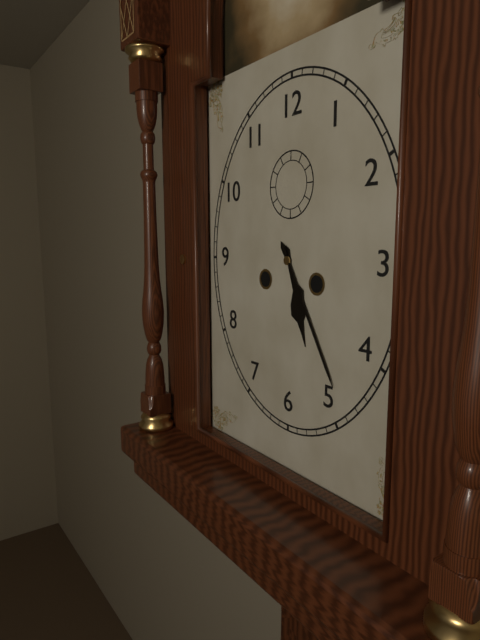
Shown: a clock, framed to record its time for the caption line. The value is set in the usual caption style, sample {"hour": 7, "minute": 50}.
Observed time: {"hour": 5, "minute": 25}
